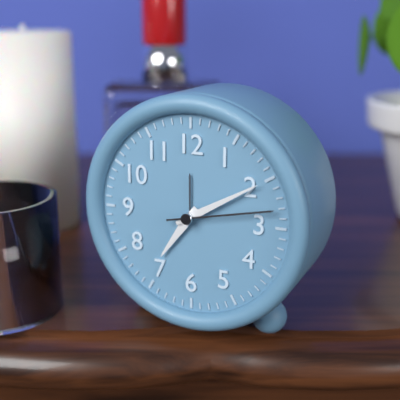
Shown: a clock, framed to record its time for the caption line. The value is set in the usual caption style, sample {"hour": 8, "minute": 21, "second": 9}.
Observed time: {"hour": 7, "minute": 10, "second": 13}
